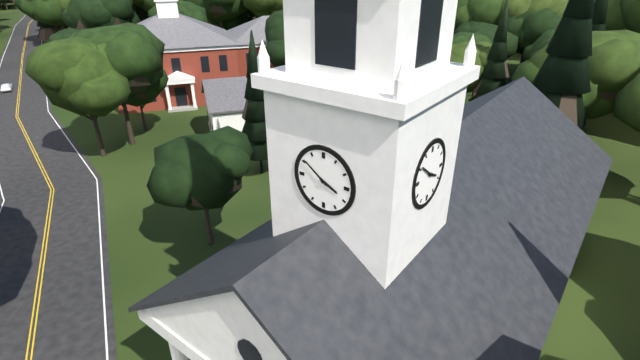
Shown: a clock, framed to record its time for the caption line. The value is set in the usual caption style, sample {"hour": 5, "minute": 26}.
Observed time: {"hour": 3, "minute": 51}
